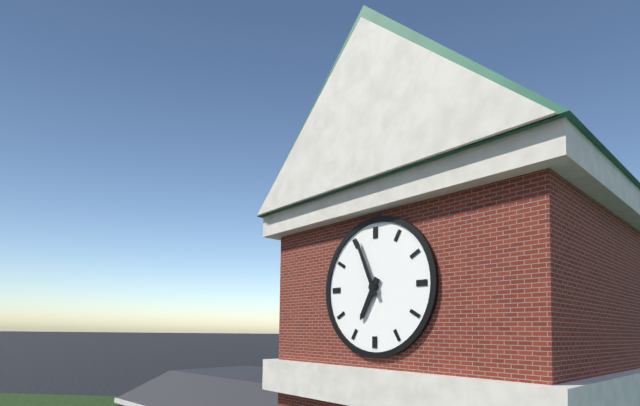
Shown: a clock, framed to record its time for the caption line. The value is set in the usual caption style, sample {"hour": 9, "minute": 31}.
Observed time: {"hour": 6, "minute": 56}
